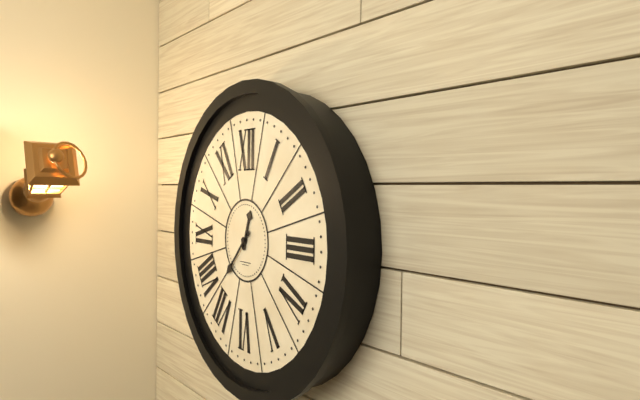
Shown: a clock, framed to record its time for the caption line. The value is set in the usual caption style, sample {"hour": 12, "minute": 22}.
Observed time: {"hour": 12, "minute": 37}
